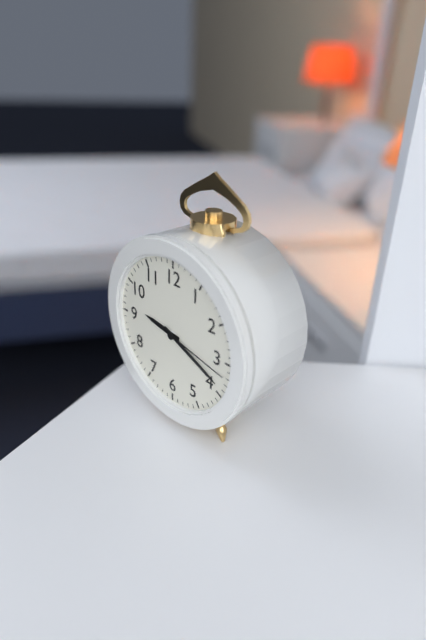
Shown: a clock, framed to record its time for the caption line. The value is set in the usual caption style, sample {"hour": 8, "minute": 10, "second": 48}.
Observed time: {"hour": 9, "minute": 19, "second": 17}
